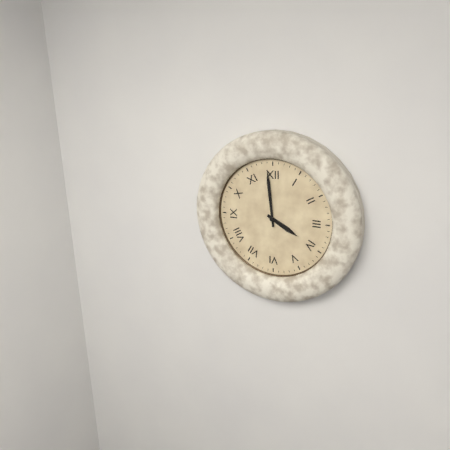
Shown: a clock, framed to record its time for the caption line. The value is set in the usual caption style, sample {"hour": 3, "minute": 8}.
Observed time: {"hour": 3, "minute": 59}
